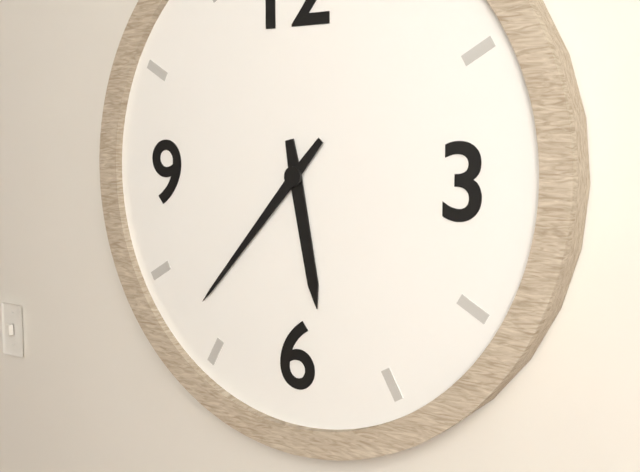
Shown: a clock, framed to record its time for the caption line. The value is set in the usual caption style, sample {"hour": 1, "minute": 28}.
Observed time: {"hour": 5, "minute": 37}
